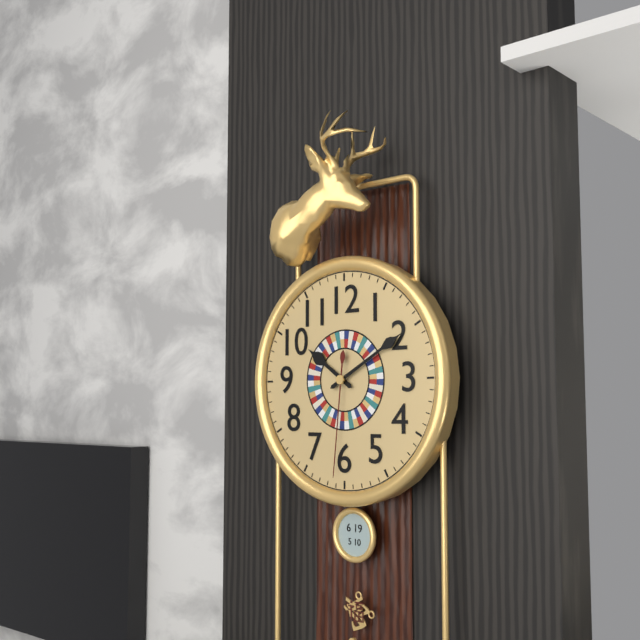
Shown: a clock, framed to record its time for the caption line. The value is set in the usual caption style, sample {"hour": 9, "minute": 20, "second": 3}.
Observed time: {"hour": 10, "minute": 10, "second": 31}
